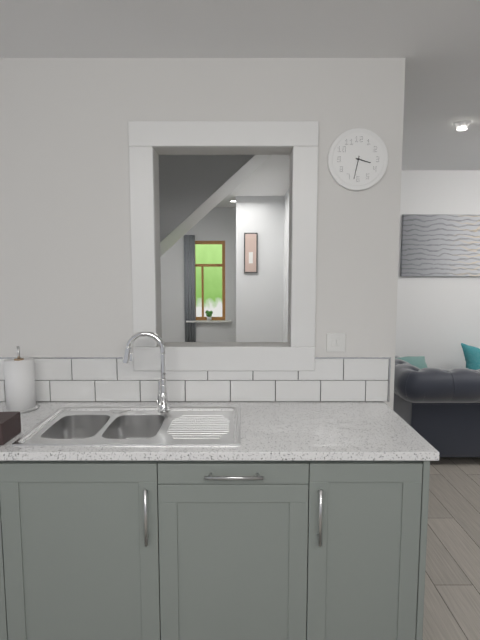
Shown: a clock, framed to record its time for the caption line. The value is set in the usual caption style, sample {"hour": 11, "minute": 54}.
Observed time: {"hour": 3, "minute": 32}
